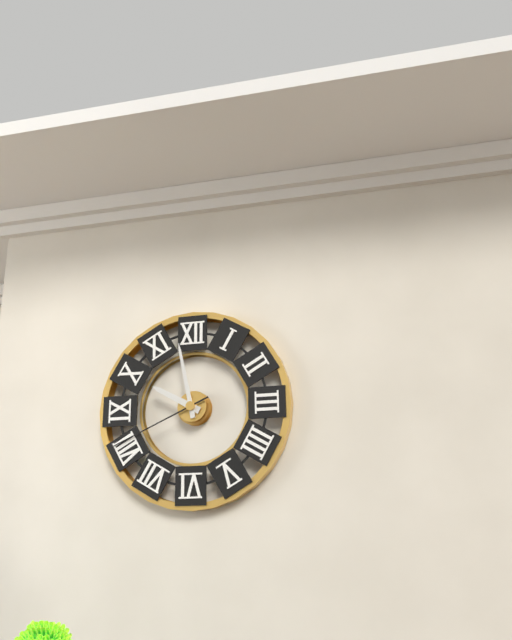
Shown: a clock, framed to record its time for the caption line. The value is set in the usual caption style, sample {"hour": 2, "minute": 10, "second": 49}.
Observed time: {"hour": 9, "minute": 58, "second": 41}
